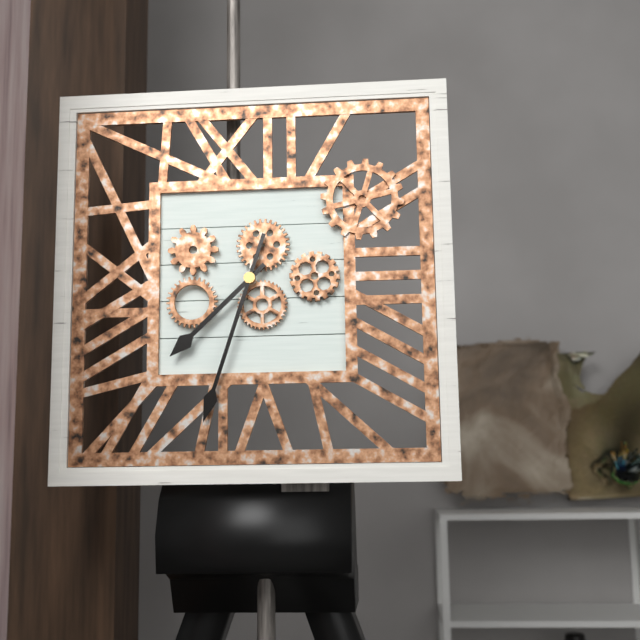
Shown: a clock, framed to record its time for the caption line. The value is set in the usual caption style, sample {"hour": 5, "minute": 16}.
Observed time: {"hour": 7, "minute": 33}
